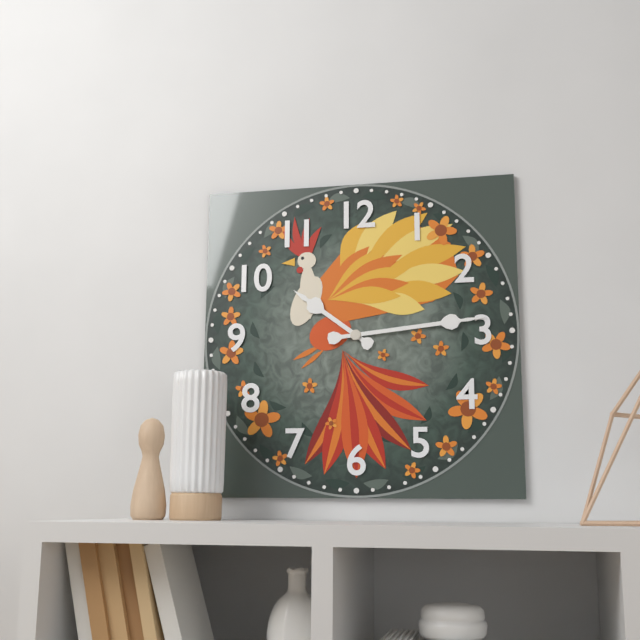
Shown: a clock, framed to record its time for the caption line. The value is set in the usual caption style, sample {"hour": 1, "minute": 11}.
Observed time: {"hour": 10, "minute": 14}
